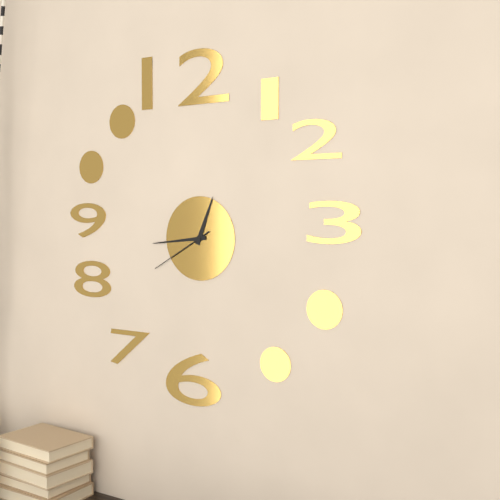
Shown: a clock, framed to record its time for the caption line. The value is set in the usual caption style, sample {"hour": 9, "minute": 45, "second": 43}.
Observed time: {"hour": 12, "minute": 44, "second": 40}
